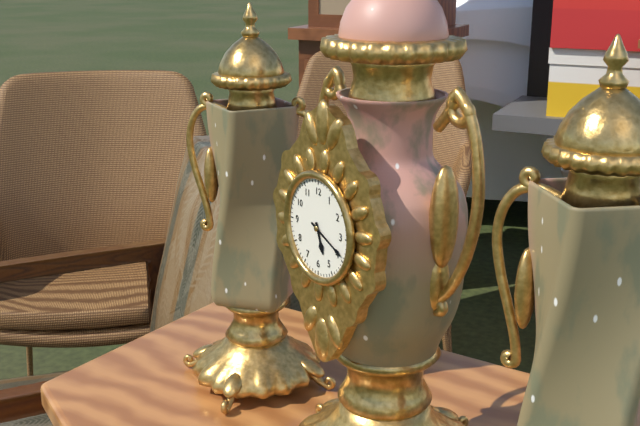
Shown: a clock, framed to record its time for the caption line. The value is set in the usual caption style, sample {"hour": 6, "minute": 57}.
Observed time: {"hour": 5, "minute": 19}
